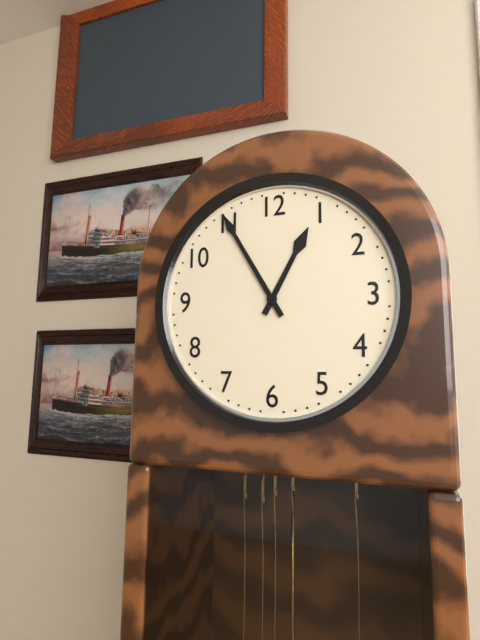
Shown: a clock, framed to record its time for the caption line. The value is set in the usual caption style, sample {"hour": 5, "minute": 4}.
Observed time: {"hour": 12, "minute": 55}
